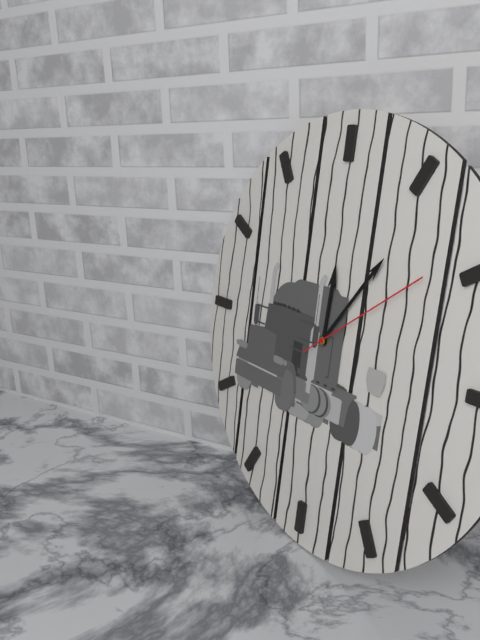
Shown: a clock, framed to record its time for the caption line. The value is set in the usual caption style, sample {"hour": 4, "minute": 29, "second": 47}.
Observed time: {"hour": 12, "minute": 6, "second": 9}
